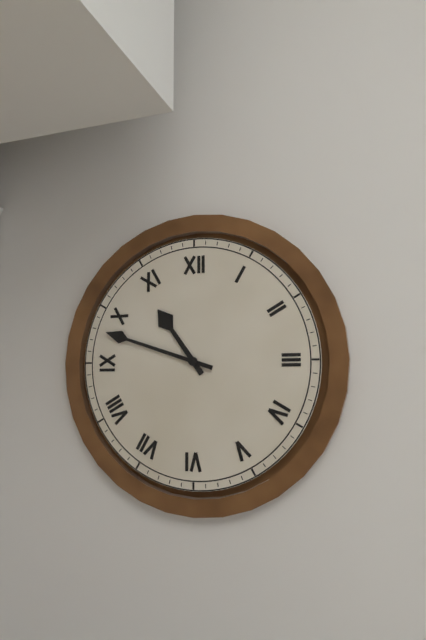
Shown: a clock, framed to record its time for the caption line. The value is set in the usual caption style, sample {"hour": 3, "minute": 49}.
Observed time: {"hour": 10, "minute": 48}
